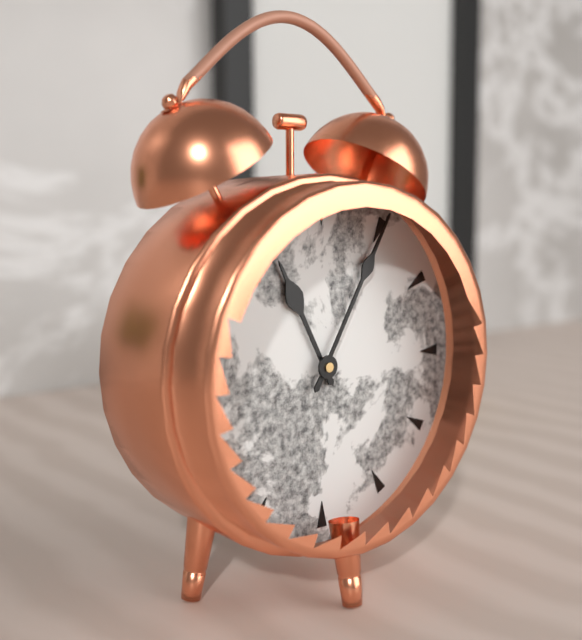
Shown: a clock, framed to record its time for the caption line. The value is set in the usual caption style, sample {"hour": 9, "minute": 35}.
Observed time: {"hour": 11, "minute": 5}
